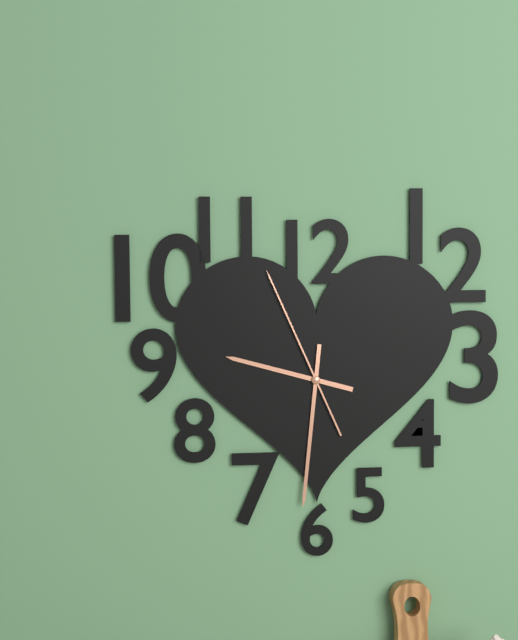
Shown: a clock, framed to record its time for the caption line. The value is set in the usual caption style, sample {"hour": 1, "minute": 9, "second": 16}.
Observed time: {"hour": 9, "minute": 31, "second": 56}
